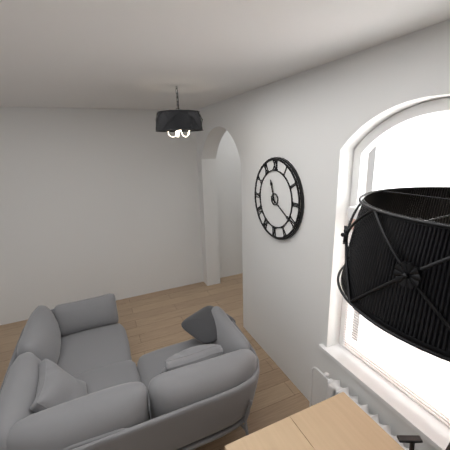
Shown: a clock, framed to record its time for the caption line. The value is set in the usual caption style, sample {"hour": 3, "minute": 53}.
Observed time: {"hour": 11, "minute": 20}
